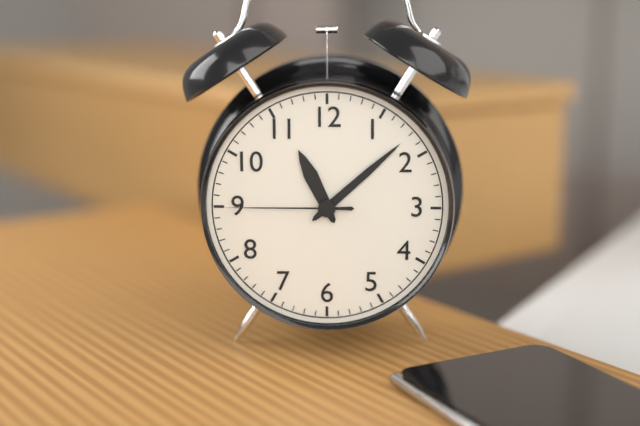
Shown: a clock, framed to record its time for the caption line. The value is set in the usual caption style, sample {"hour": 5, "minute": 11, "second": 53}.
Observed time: {"hour": 11, "minute": 8, "second": 45}
